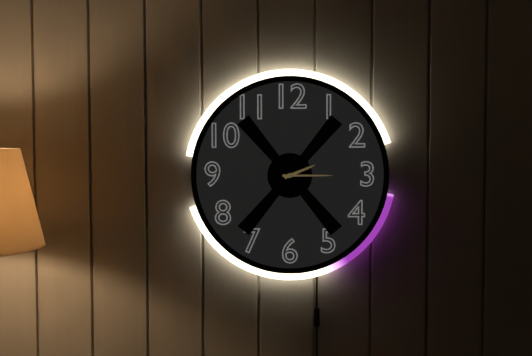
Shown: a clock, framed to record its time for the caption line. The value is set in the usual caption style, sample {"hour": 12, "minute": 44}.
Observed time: {"hour": 2, "minute": 15}
